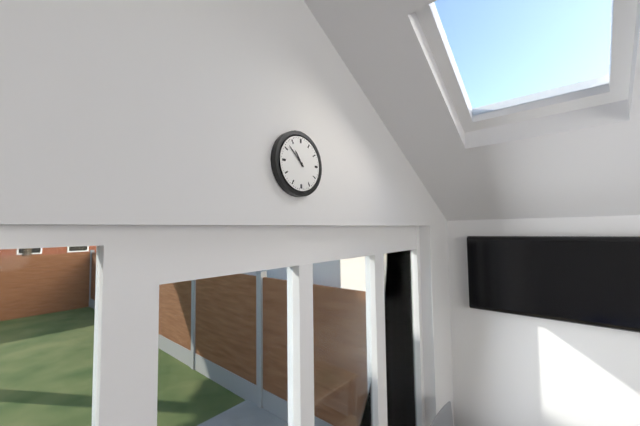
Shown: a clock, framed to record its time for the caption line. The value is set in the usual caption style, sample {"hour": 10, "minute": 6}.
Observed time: {"hour": 10, "minute": 52}
